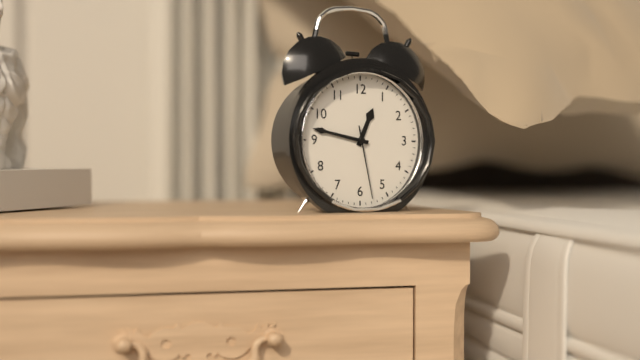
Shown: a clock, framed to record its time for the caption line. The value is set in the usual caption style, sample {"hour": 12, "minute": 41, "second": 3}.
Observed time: {"hour": 12, "minute": 47, "second": 28}
